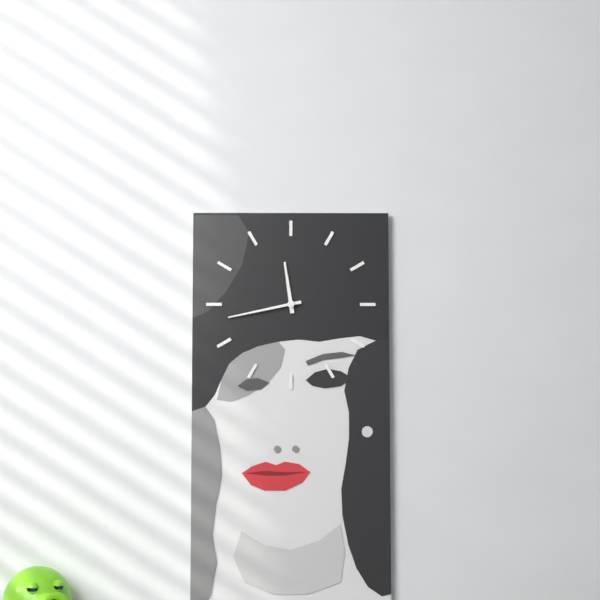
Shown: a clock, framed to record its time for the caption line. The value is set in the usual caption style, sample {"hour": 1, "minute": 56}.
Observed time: {"hour": 11, "minute": 43}
